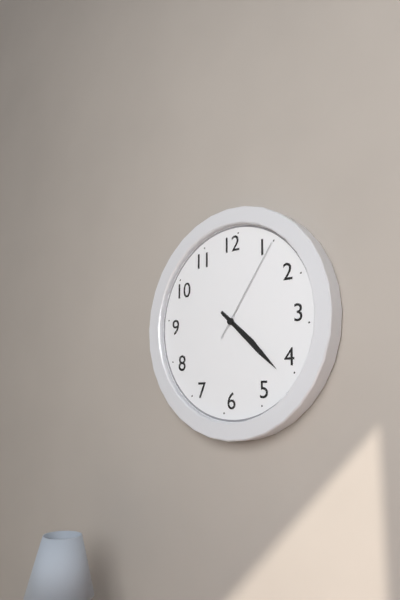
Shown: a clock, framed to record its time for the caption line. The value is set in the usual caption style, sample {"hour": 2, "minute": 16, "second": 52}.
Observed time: {"hour": 4, "minute": 22, "second": 6}
